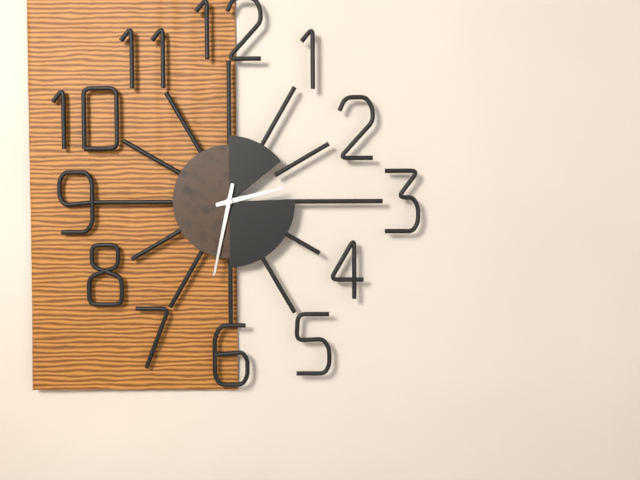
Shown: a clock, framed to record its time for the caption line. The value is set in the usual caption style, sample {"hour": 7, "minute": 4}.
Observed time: {"hour": 2, "minute": 32}
